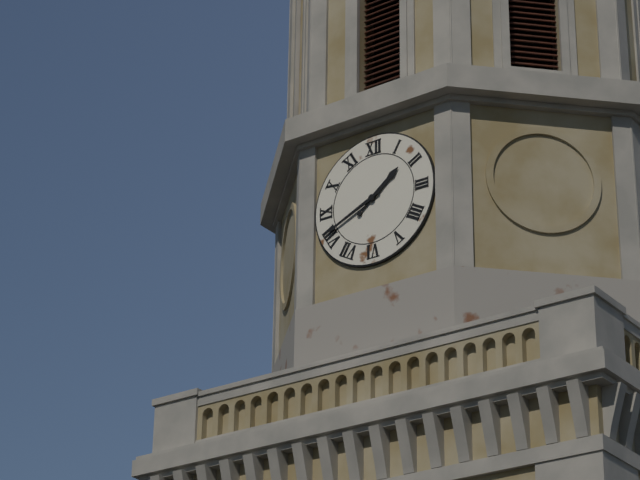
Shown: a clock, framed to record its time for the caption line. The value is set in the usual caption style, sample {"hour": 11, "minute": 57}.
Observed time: {"hour": 1, "minute": 41}
